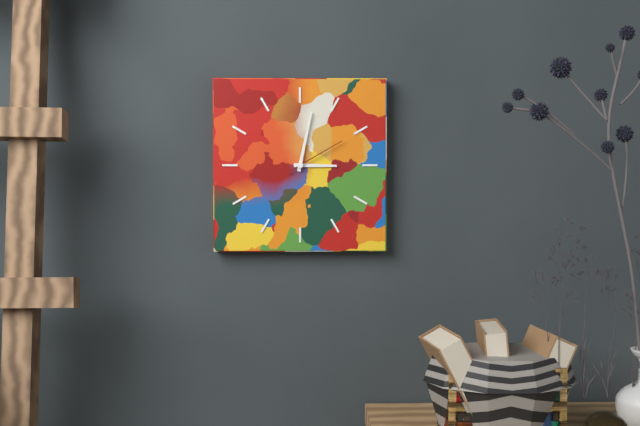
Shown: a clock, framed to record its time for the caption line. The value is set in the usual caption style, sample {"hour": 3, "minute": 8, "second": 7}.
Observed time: {"hour": 3, "minute": 2, "second": 10}
